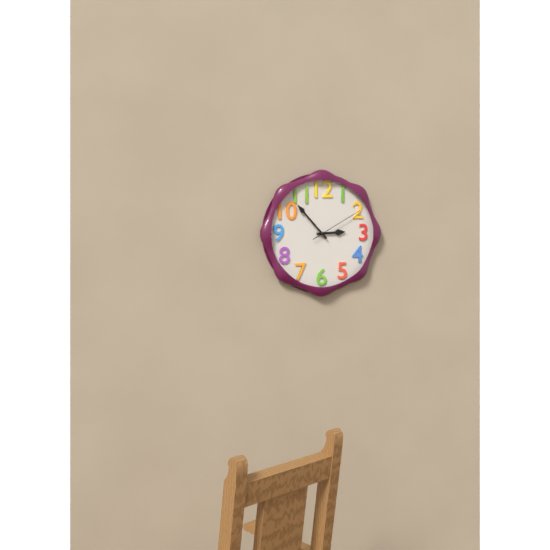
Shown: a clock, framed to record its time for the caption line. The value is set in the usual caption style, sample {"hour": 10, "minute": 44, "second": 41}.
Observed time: {"hour": 2, "minute": 53, "second": 10}
